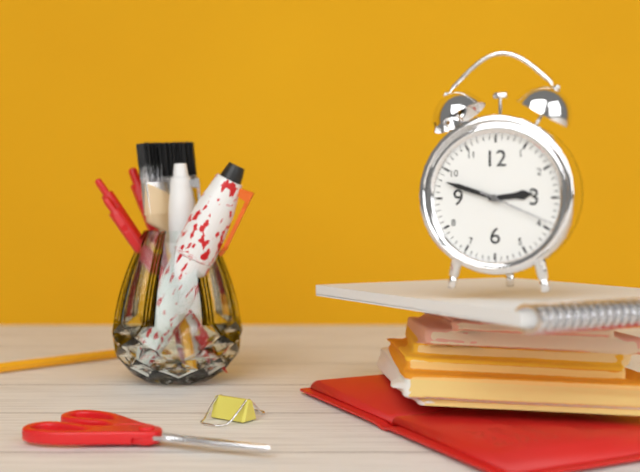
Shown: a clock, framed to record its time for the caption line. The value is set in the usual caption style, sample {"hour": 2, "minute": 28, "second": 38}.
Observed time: {"hour": 2, "minute": 48, "second": 19}
